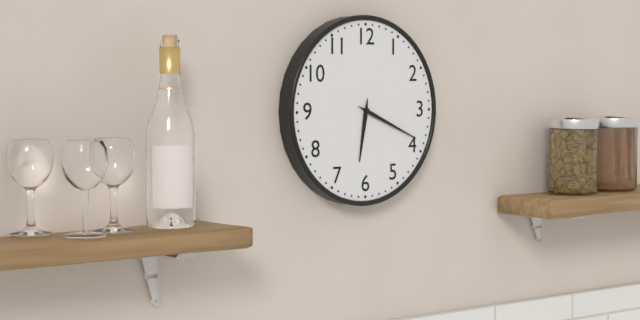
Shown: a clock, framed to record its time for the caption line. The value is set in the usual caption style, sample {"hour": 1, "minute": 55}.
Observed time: {"hour": 6, "minute": 19}
